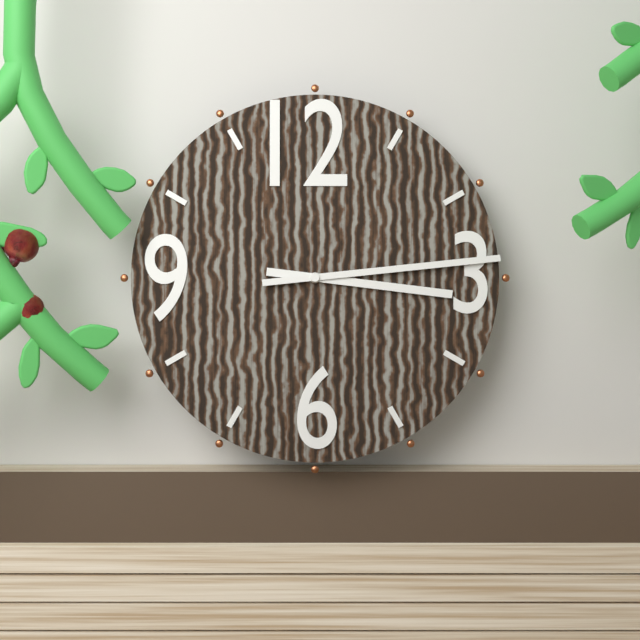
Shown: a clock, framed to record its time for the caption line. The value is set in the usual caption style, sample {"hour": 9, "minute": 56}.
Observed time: {"hour": 3, "minute": 14}
